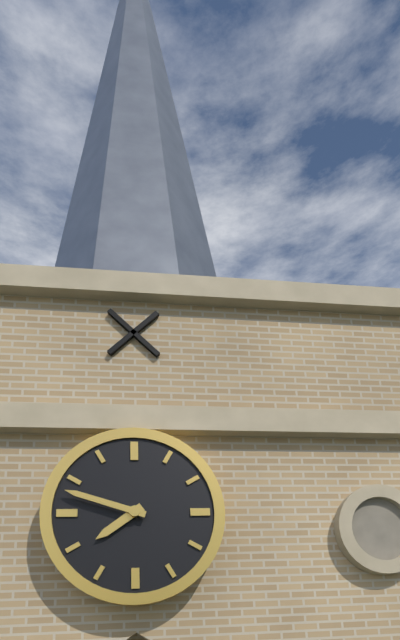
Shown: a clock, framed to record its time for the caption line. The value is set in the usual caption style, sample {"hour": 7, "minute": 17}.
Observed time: {"hour": 7, "minute": 48}
